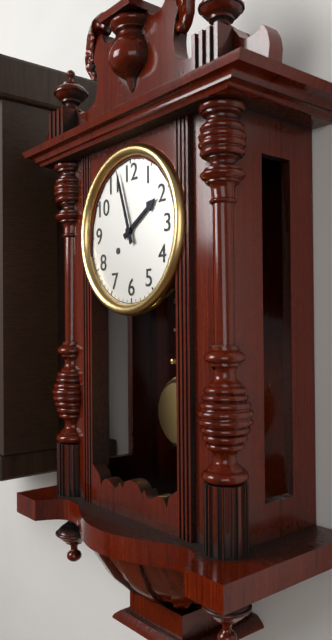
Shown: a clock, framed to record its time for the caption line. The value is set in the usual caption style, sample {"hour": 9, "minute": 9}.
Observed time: {"hour": 1, "minute": 57}
